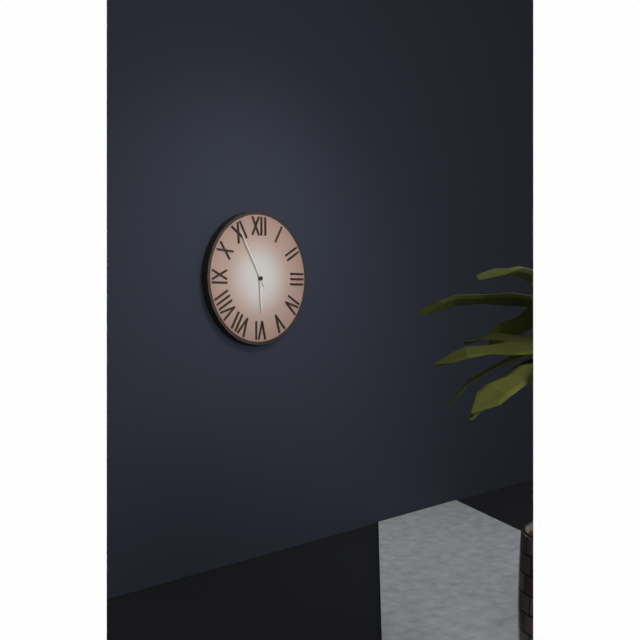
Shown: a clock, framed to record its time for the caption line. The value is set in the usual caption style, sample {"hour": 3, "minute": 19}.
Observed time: {"hour": 5, "minute": 55}
